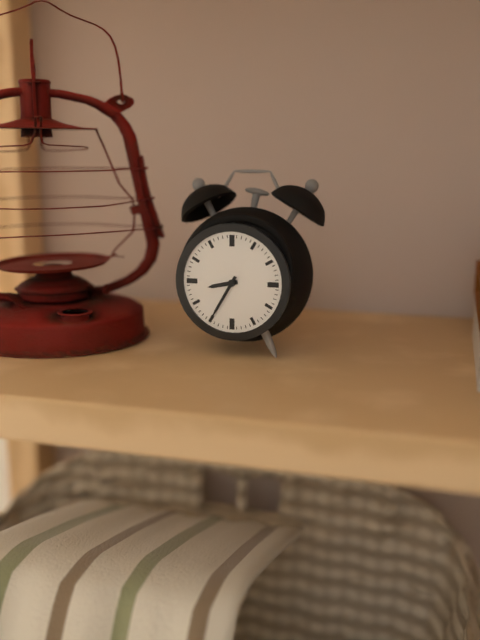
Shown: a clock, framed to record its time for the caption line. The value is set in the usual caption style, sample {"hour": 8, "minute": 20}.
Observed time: {"hour": 8, "minute": 35}
